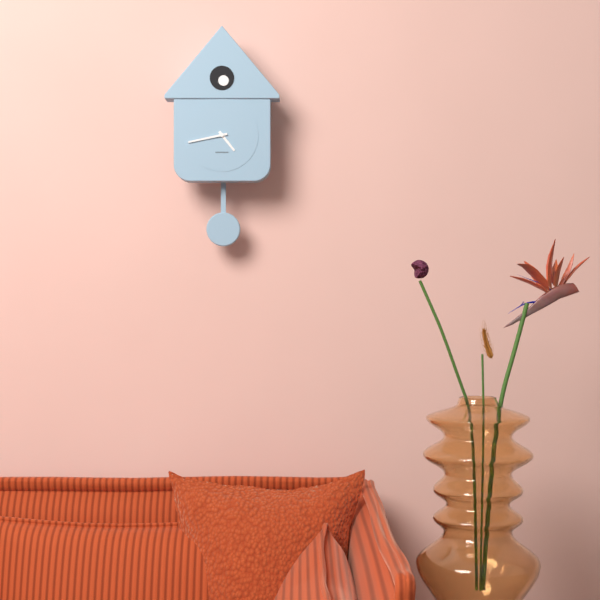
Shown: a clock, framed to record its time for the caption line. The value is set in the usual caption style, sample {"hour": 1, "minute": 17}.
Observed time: {"hour": 4, "minute": 43}
